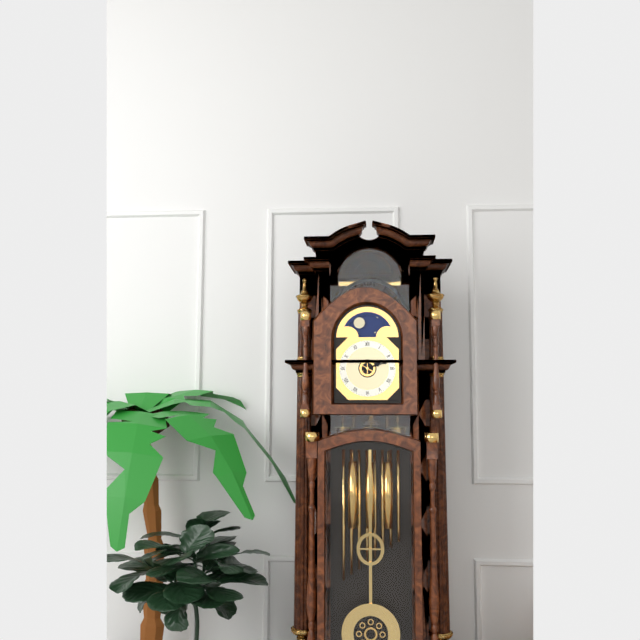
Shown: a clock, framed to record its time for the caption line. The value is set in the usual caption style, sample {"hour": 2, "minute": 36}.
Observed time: {"hour": 2, "minute": 12}
